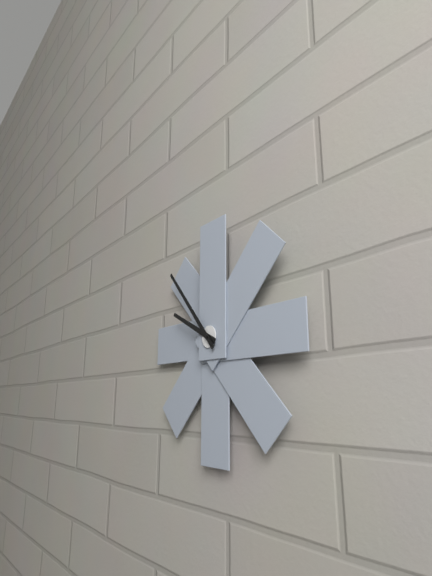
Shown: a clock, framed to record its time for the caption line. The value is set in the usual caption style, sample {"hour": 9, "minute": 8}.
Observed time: {"hour": 9, "minute": 53}
